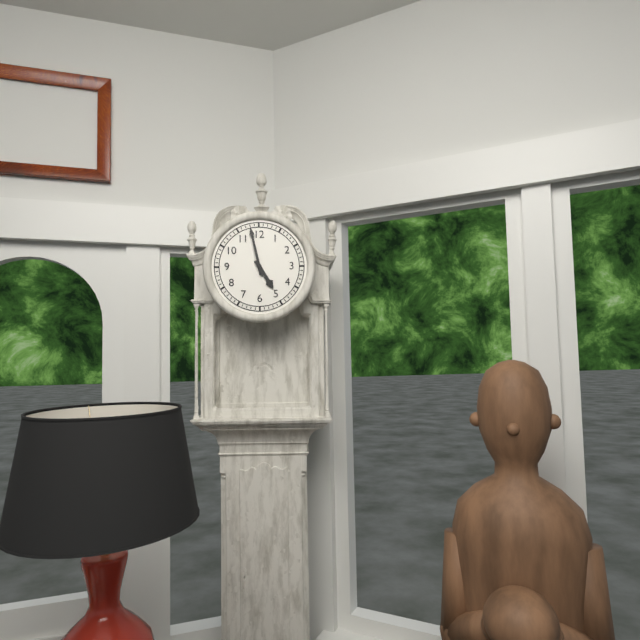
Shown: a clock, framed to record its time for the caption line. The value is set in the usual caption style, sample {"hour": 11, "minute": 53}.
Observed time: {"hour": 4, "minute": 58}
